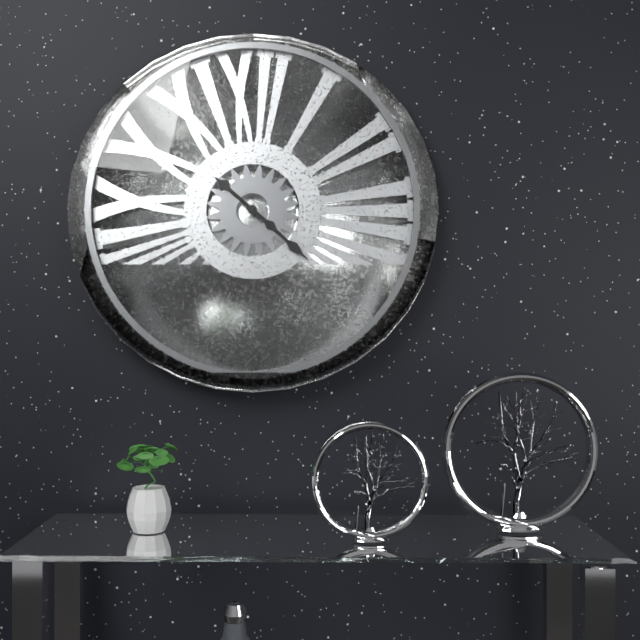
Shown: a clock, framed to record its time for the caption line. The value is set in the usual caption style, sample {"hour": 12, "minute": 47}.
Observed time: {"hour": 10, "minute": 22}
